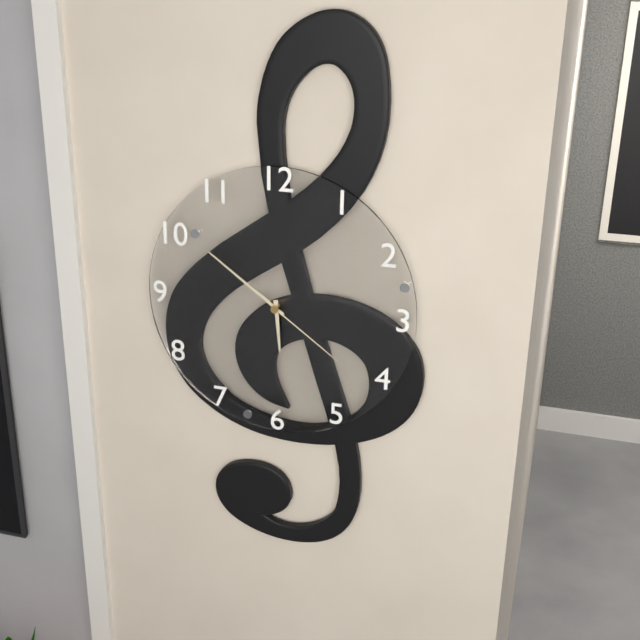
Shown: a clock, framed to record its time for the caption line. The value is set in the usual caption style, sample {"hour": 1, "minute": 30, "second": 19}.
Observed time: {"hour": 5, "minute": 51, "second": 21}
